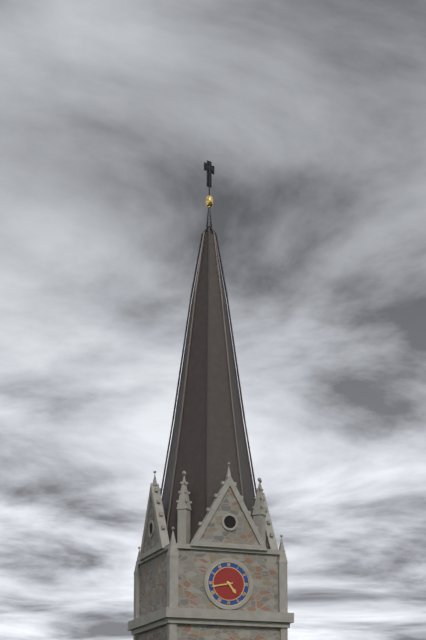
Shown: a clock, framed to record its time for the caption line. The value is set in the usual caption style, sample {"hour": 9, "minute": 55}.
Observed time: {"hour": 4, "minute": 43}
